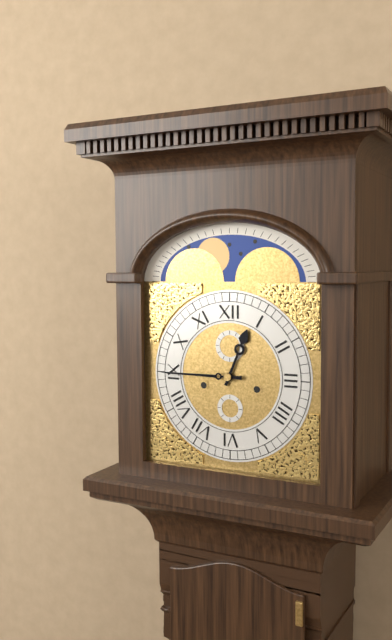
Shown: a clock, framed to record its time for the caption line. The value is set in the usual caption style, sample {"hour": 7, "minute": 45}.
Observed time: {"hour": 12, "minute": 45}
